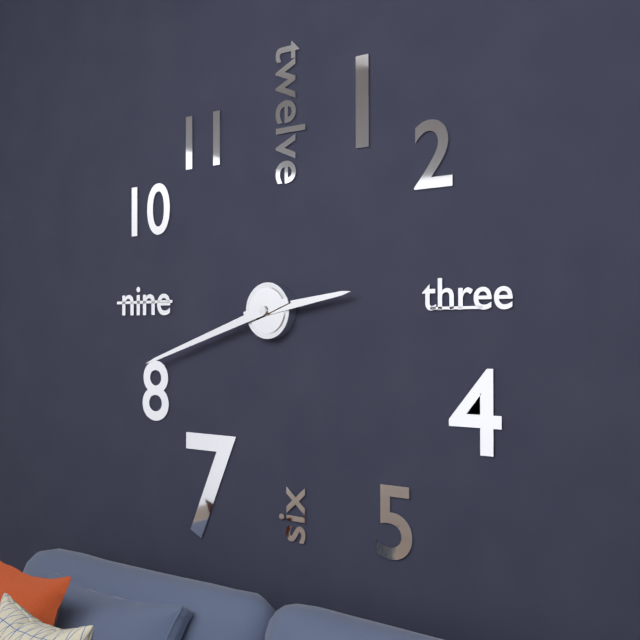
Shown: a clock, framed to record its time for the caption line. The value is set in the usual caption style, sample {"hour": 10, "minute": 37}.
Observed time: {"hour": 2, "minute": 42}
